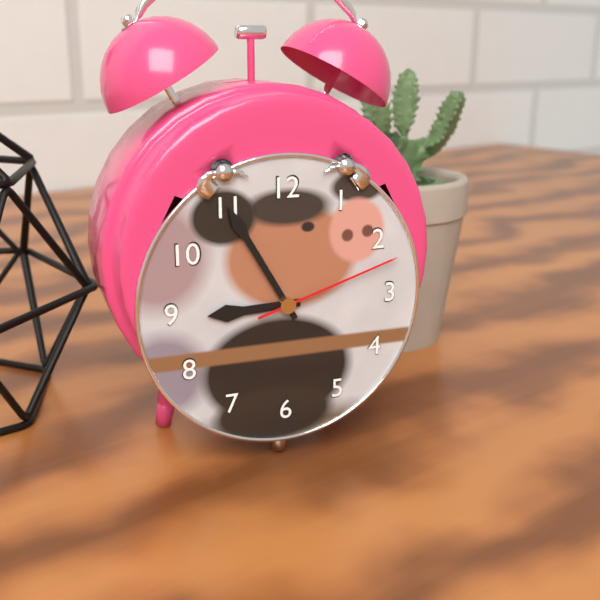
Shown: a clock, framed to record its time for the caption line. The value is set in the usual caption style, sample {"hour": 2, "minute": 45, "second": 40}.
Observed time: {"hour": 8, "minute": 55, "second": 12}
